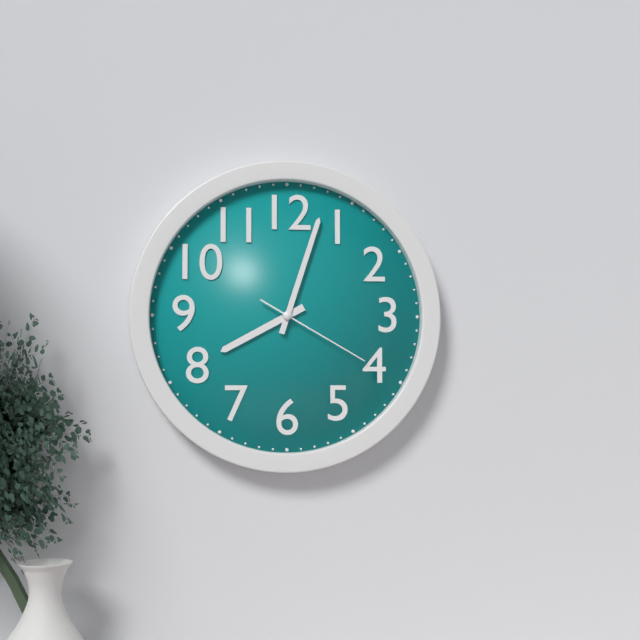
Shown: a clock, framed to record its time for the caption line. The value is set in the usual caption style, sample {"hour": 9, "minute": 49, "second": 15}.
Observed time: {"hour": 8, "minute": 3, "second": 20}
